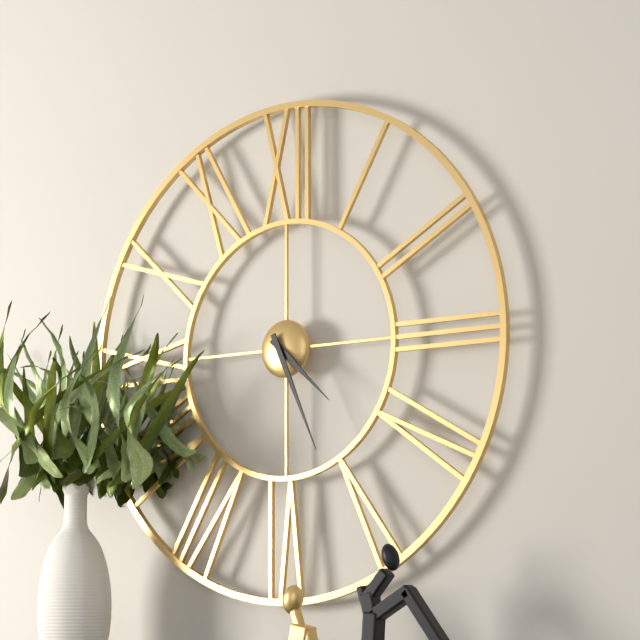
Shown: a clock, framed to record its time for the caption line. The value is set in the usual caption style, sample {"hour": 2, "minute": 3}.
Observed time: {"hour": 4, "minute": 26}
